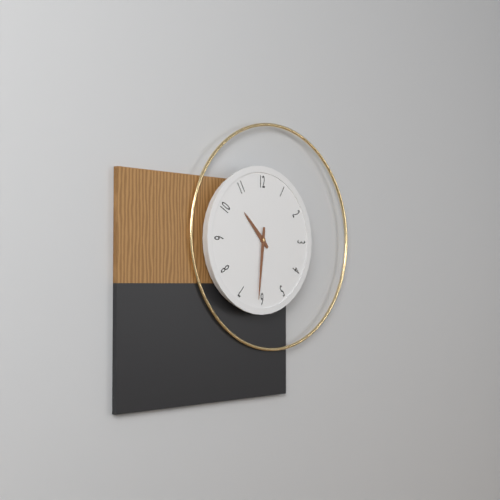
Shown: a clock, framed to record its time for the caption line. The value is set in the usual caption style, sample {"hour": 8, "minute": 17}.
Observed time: {"hour": 10, "minute": 31}
